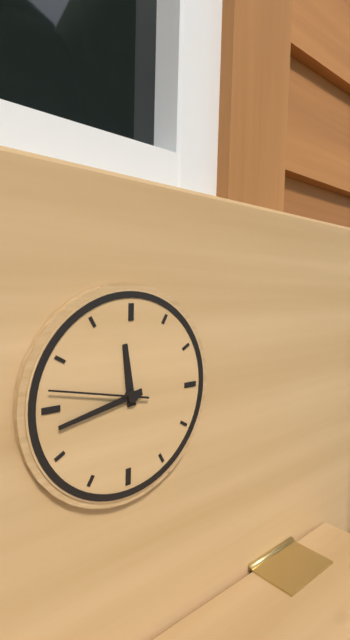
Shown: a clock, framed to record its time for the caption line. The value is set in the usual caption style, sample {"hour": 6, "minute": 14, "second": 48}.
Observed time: {"hour": 11, "minute": 43, "second": 47}
